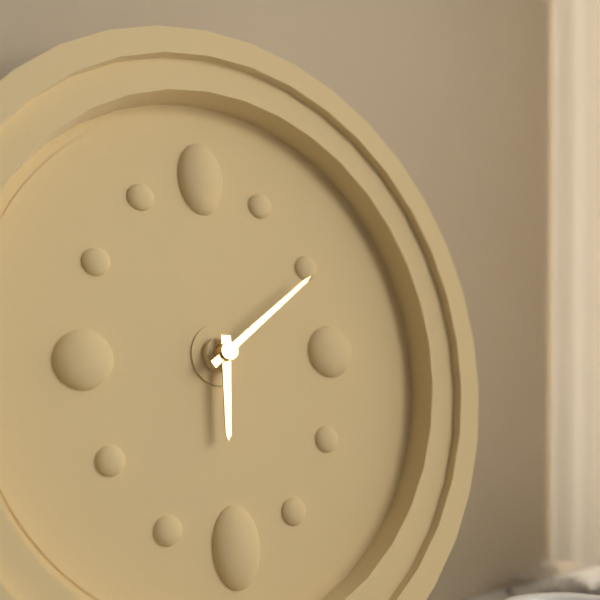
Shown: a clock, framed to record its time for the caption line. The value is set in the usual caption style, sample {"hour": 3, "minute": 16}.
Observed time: {"hour": 6, "minute": 9}
